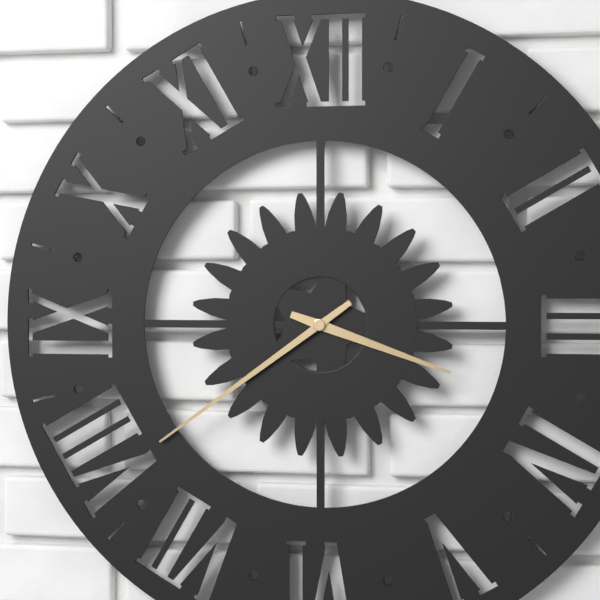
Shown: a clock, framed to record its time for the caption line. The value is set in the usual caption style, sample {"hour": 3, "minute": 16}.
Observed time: {"hour": 3, "minute": 39}
